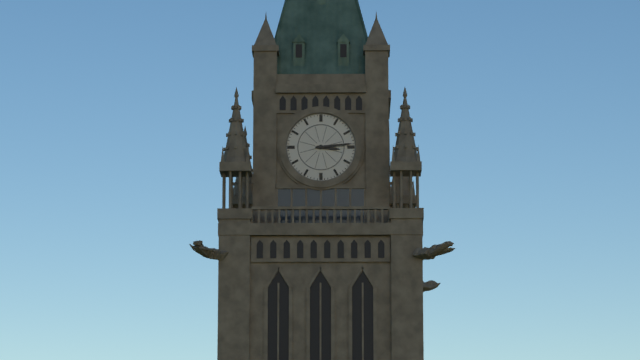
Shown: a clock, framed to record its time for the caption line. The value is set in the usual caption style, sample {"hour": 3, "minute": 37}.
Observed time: {"hour": 3, "minute": 14}
